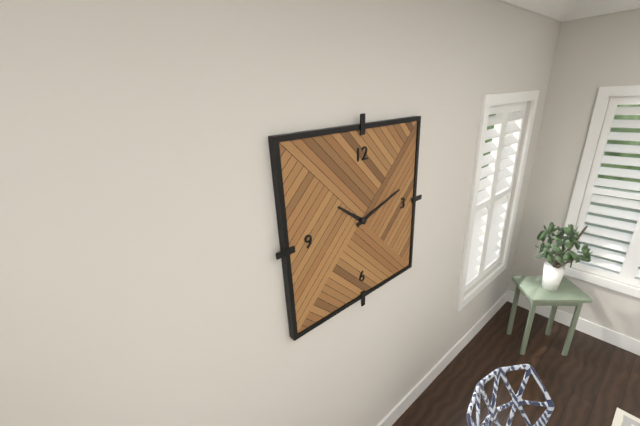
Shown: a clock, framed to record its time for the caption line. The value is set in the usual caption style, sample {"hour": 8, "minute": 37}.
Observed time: {"hour": 10, "minute": 12}
